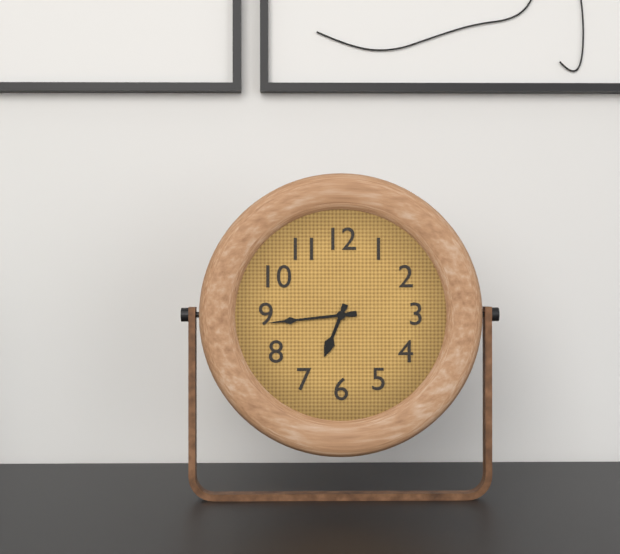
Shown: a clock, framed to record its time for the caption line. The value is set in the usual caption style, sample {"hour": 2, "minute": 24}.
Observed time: {"hour": 6, "minute": 44}
